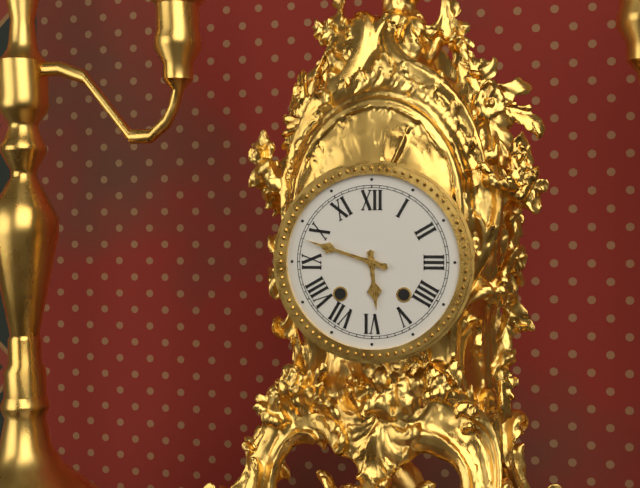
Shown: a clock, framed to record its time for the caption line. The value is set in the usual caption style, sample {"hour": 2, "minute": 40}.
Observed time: {"hour": 5, "minute": 48}
